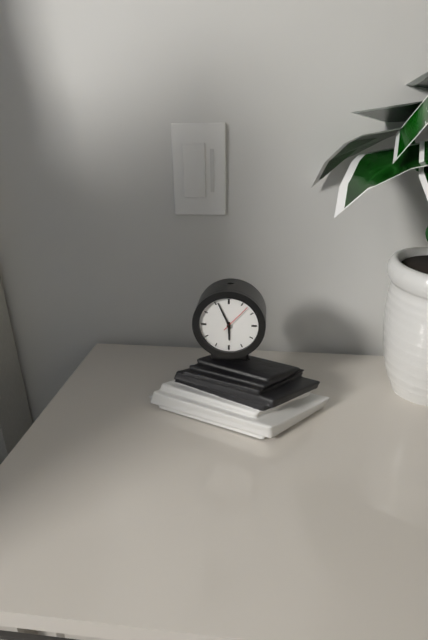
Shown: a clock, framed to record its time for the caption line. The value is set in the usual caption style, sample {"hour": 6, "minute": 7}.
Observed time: {"hour": 5, "minute": 56}
